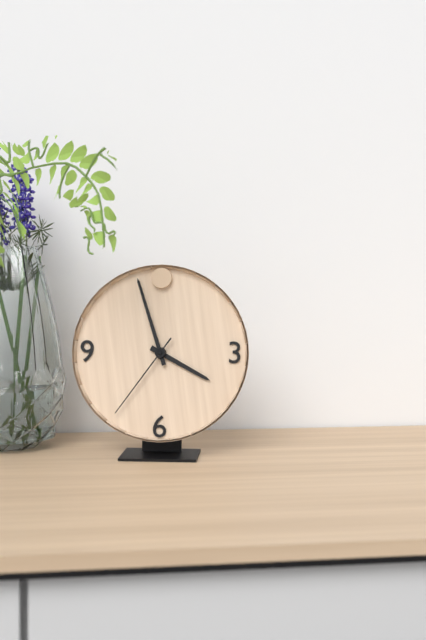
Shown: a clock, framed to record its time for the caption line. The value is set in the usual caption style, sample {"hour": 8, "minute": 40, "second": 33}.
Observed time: {"hour": 3, "minute": 57, "second": 36}
